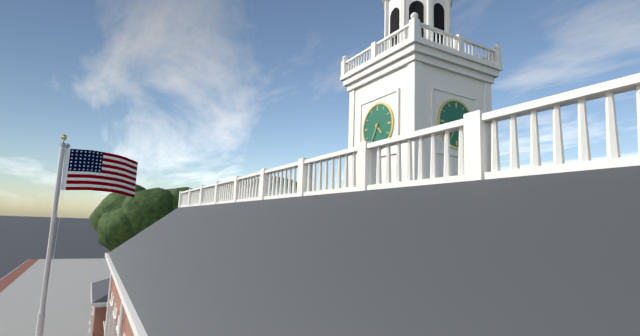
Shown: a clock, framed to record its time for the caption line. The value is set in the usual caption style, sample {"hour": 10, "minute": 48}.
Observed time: {"hour": 4, "minute": 35}
